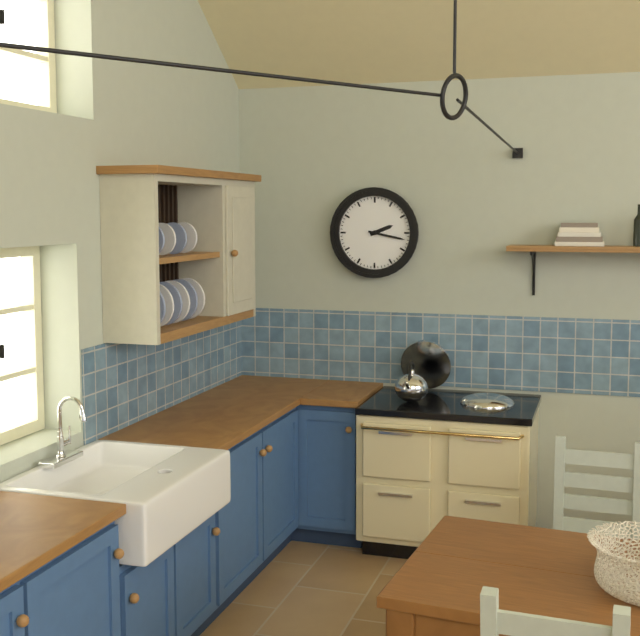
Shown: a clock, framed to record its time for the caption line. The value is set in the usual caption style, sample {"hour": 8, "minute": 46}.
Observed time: {"hour": 2, "minute": 17}
